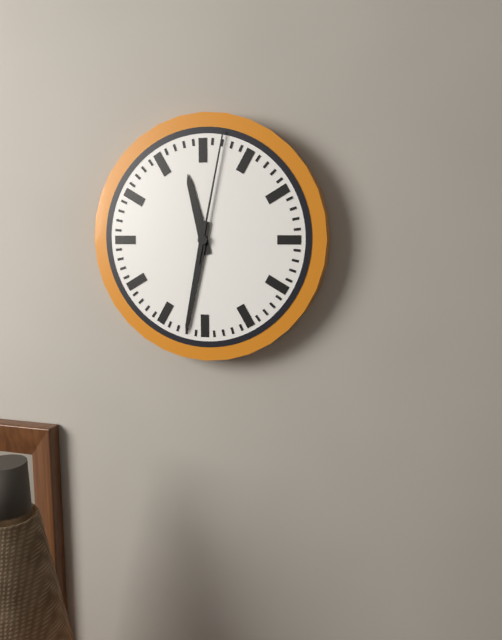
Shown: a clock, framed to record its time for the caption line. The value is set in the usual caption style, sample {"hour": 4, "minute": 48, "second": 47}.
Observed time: {"hour": 11, "minute": 32, "second": 2}
